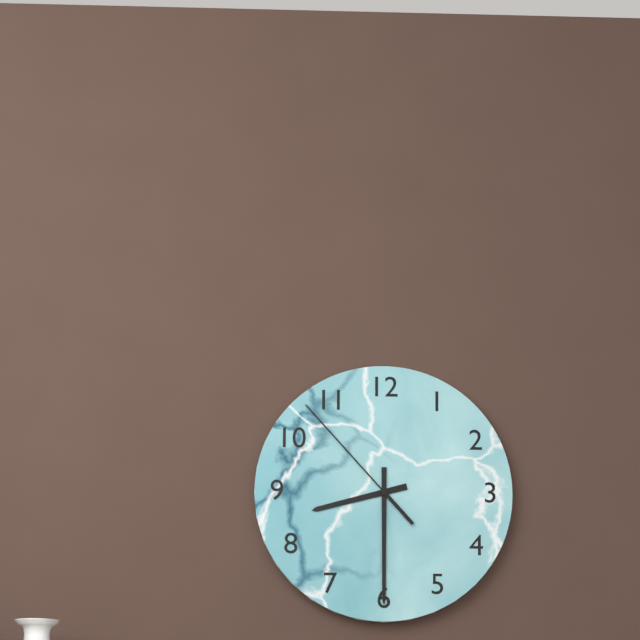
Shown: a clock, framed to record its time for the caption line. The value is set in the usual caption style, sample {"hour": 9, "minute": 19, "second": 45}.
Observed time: {"hour": 8, "minute": 30, "second": 53}
